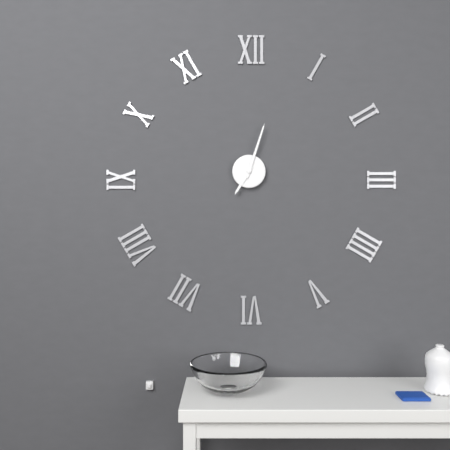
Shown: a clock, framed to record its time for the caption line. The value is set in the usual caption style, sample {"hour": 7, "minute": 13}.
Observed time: {"hour": 7, "minute": 3}
